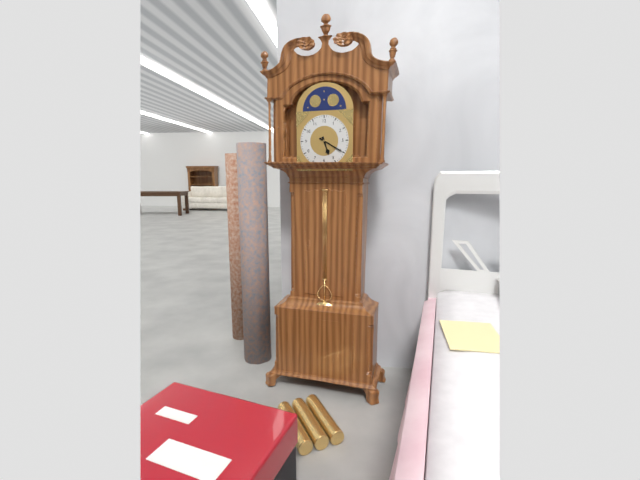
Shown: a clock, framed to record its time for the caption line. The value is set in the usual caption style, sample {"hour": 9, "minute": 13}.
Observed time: {"hour": 5, "minute": 20}
